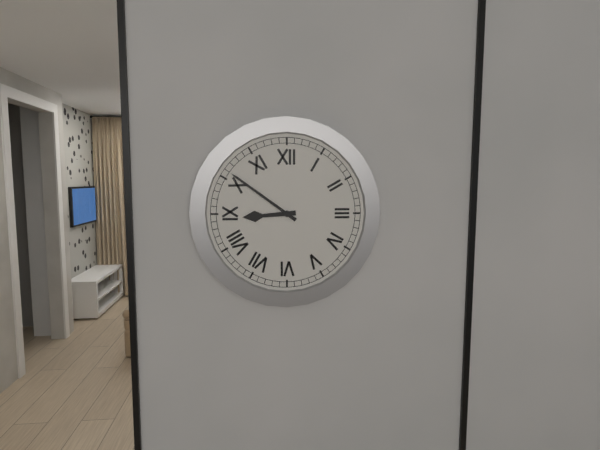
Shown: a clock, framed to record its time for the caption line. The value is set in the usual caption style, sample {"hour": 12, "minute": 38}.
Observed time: {"hour": 8, "minute": 51}
